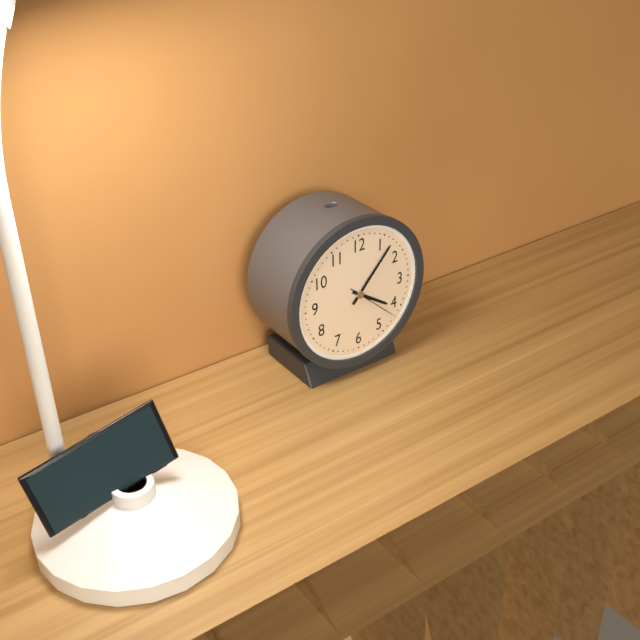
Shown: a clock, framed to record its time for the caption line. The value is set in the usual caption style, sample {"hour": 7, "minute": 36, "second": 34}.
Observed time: {"hour": 4, "minute": 7, "second": 22}
